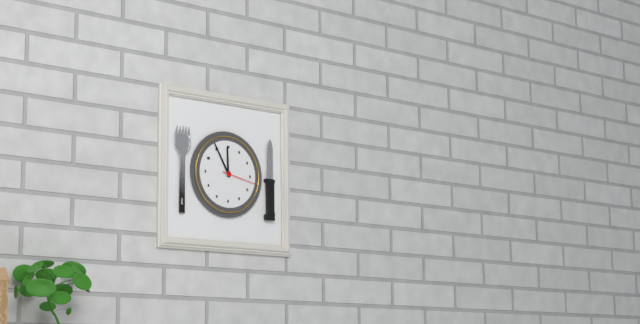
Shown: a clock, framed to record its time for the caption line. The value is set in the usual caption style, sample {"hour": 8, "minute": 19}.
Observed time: {"hour": 11, "minute": 55}
